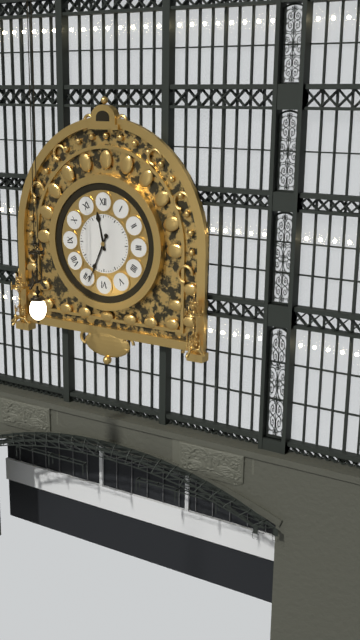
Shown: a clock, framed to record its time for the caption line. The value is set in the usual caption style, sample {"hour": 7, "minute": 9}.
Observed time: {"hour": 11, "minute": 34}
